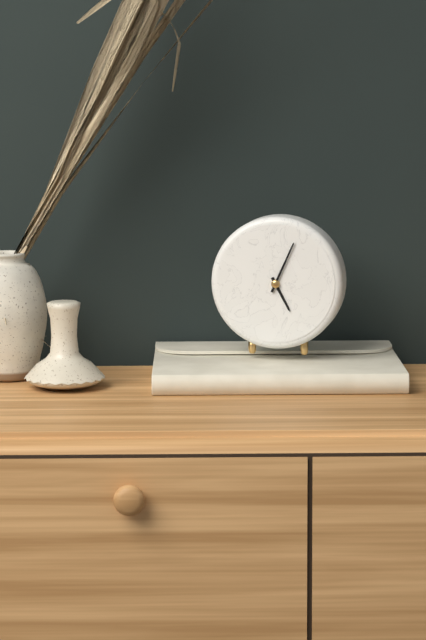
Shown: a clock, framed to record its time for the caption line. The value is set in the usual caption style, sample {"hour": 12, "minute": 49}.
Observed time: {"hour": 5, "minute": 4}
